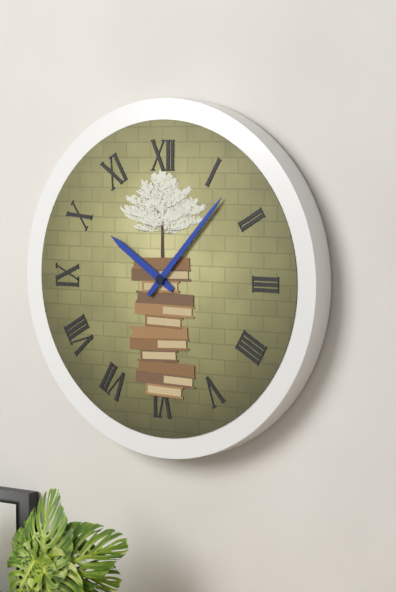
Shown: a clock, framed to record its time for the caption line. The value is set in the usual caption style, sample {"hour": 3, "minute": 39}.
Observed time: {"hour": 10, "minute": 7}
